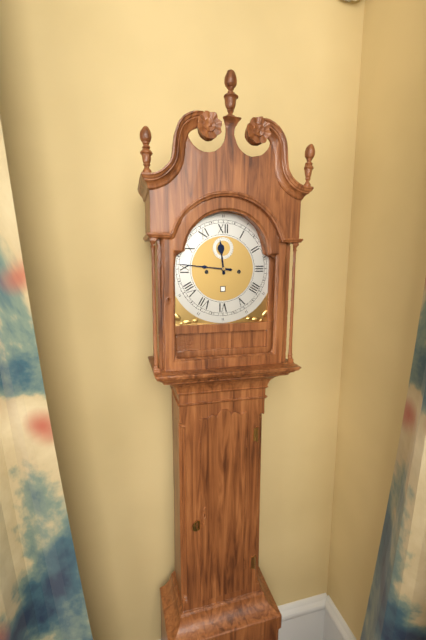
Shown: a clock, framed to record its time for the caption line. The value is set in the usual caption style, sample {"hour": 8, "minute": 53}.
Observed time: {"hour": 11, "minute": 46}
